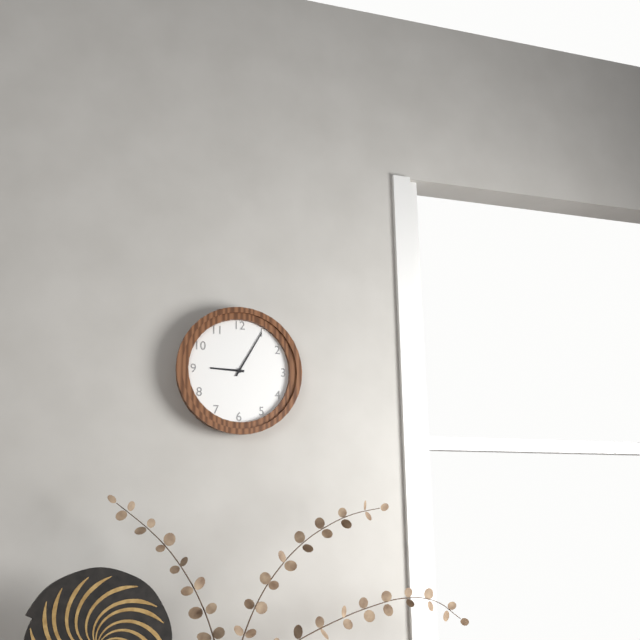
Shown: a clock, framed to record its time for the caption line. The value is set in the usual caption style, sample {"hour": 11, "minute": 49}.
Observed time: {"hour": 9, "minute": 5}
